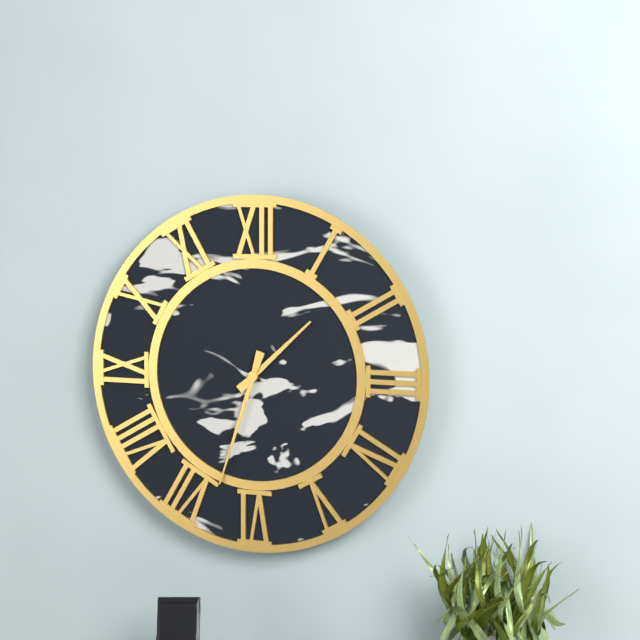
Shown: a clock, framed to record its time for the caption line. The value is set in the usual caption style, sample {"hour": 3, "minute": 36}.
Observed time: {"hour": 1, "minute": 33}
